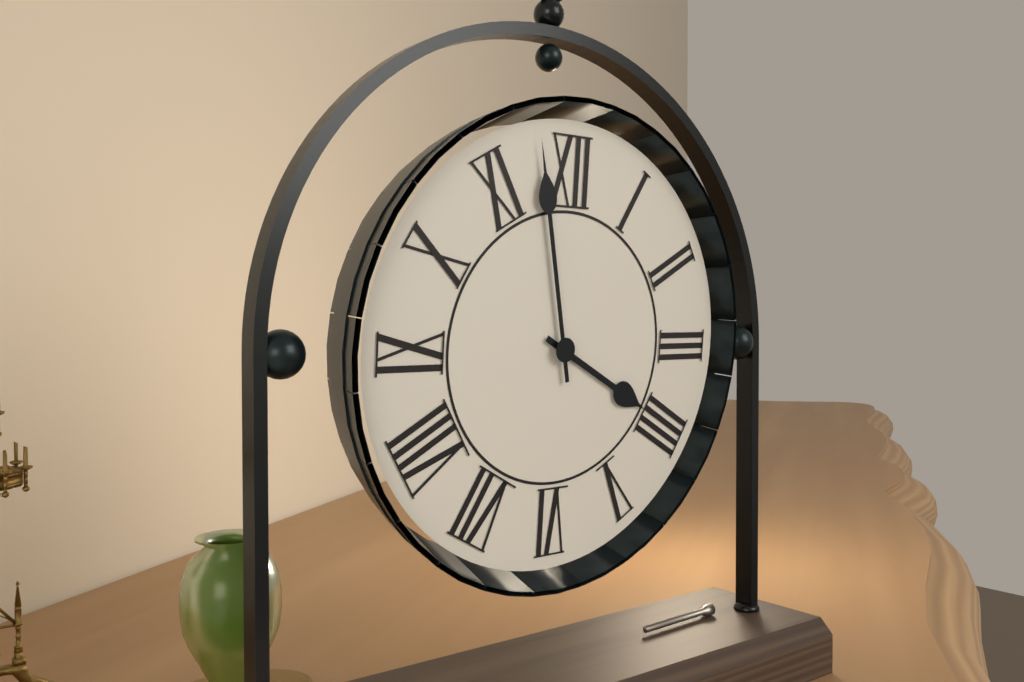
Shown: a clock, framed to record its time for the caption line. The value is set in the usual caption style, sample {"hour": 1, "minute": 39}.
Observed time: {"hour": 3, "minute": 58}
